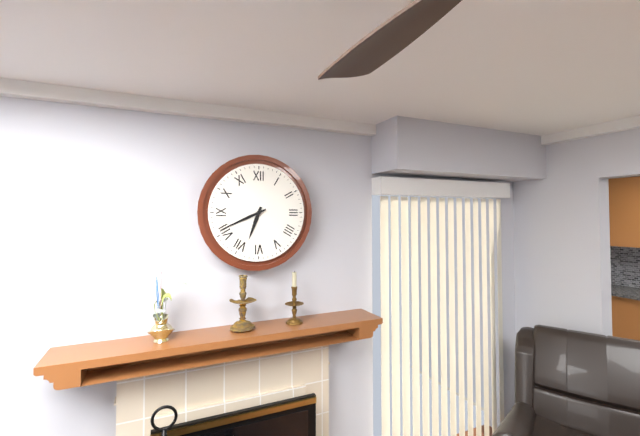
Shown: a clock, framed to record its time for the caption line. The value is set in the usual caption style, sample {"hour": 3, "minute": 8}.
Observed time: {"hour": 6, "minute": 41}
